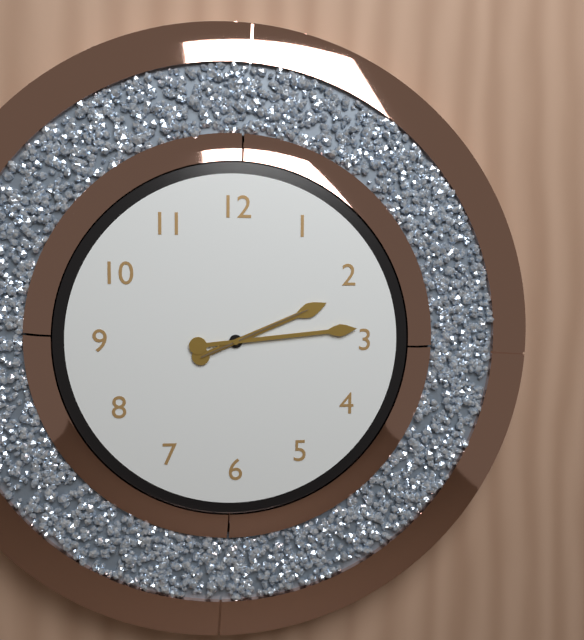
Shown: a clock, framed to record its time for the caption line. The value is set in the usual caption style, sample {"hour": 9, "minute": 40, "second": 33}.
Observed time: {"hour": 2, "minute": 14, "second": 11}
